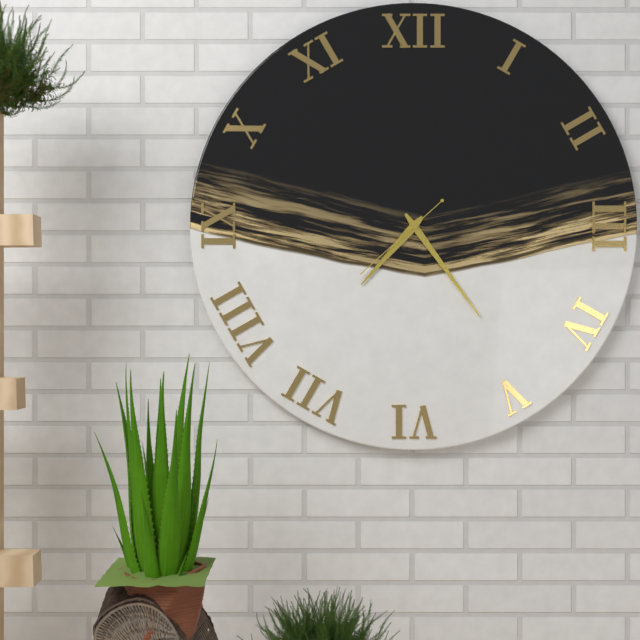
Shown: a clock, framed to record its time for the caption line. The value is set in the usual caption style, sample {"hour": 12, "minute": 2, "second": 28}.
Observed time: {"hour": 7, "minute": 24, "second": 38}
